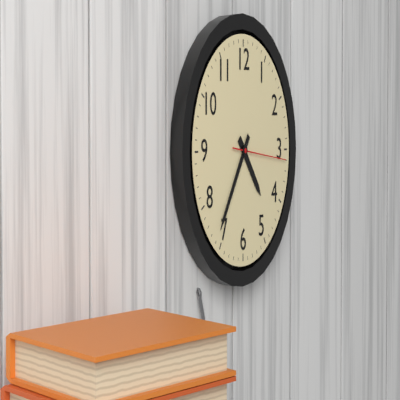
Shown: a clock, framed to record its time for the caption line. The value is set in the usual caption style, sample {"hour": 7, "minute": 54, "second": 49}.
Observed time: {"hour": 4, "minute": 36, "second": 16}
